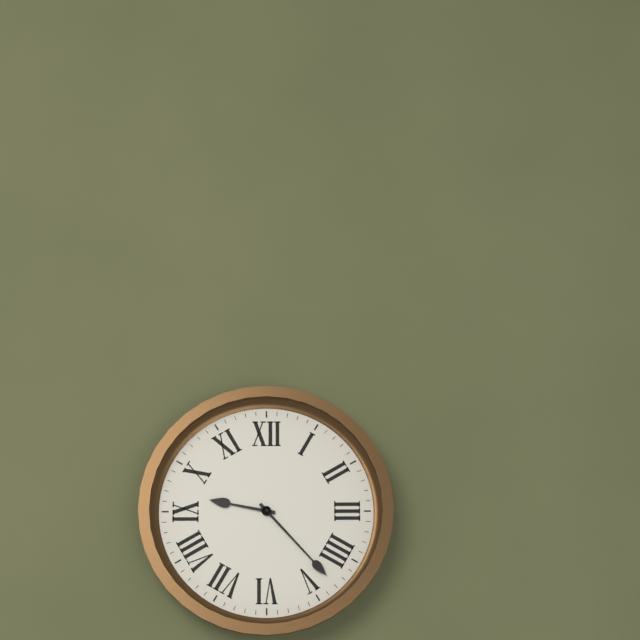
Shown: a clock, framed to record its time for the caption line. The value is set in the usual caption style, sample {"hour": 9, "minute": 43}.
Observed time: {"hour": 9, "minute": 23}
